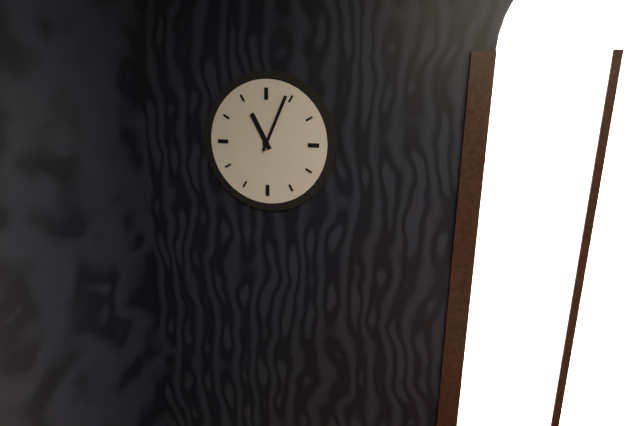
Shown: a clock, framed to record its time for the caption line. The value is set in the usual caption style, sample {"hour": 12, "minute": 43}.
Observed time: {"hour": 11, "minute": 4}
